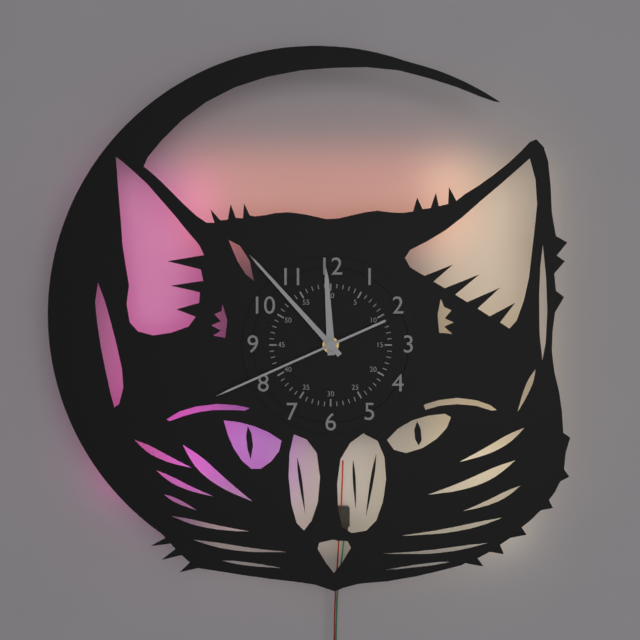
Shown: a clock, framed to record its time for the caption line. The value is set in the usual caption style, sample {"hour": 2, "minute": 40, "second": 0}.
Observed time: {"hour": 11, "minute": 53, "second": 41}
